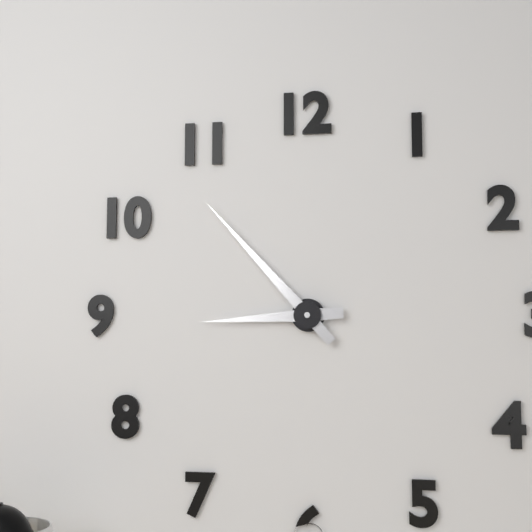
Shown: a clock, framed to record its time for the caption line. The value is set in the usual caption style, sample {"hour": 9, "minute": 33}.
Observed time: {"hour": 8, "minute": 53}
